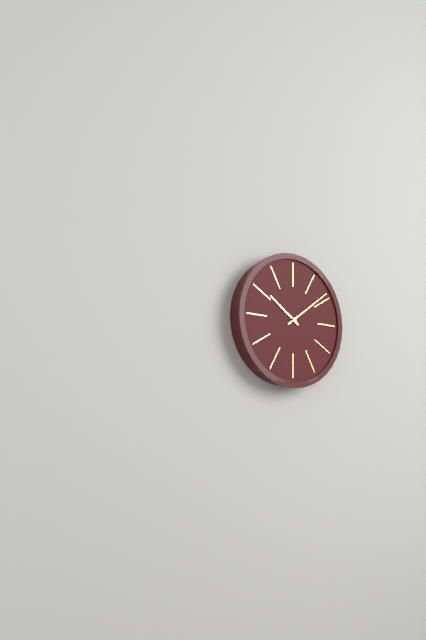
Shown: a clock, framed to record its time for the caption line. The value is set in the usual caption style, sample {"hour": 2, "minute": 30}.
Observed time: {"hour": 10, "minute": 9}
